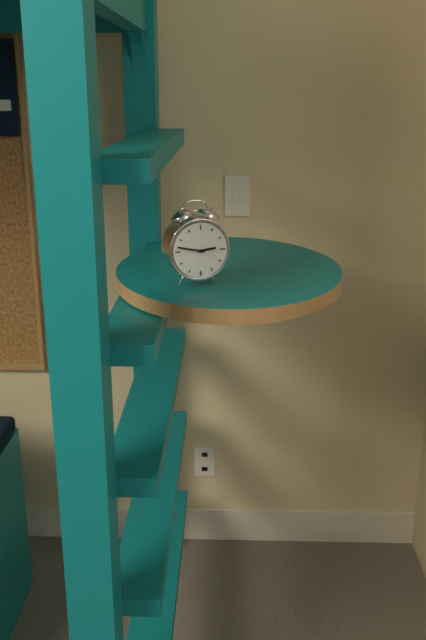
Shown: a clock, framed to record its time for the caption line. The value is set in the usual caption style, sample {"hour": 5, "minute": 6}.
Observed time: {"hour": 2, "minute": 47}
